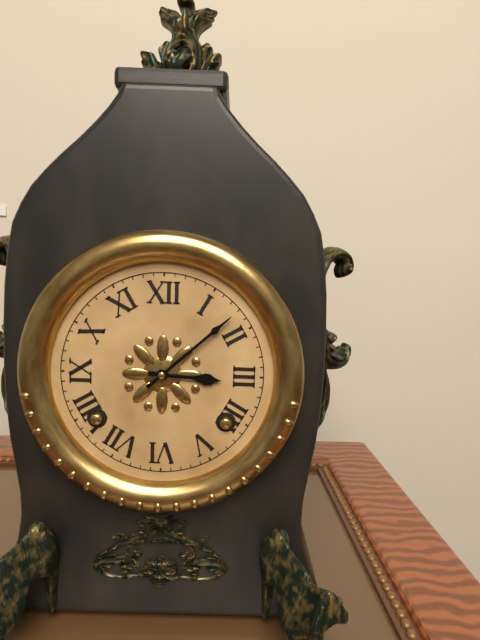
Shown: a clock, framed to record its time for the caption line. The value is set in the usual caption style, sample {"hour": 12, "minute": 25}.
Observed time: {"hour": 3, "minute": 8}
